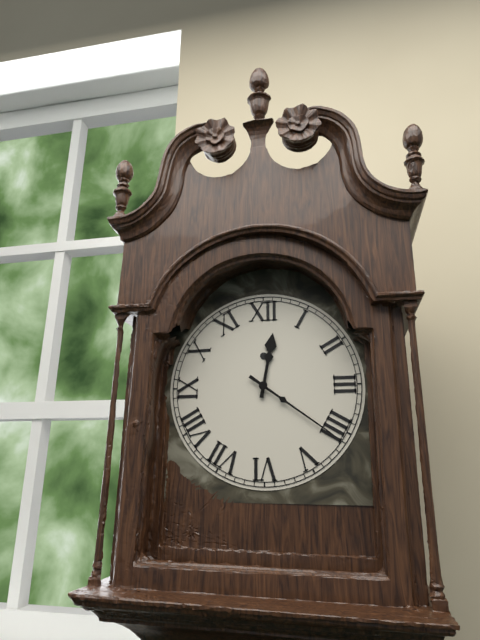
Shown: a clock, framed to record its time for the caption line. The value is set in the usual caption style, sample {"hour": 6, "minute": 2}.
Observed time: {"hour": 12, "minute": 21}
